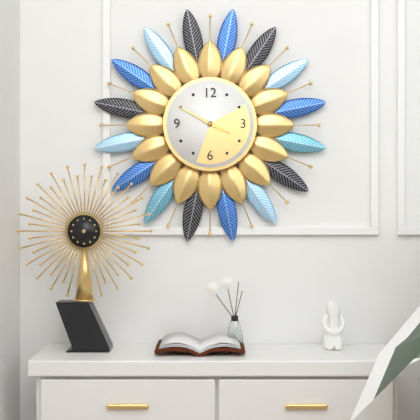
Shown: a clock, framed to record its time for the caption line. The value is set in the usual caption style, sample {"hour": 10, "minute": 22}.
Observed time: {"hour": 3, "minute": 50}
